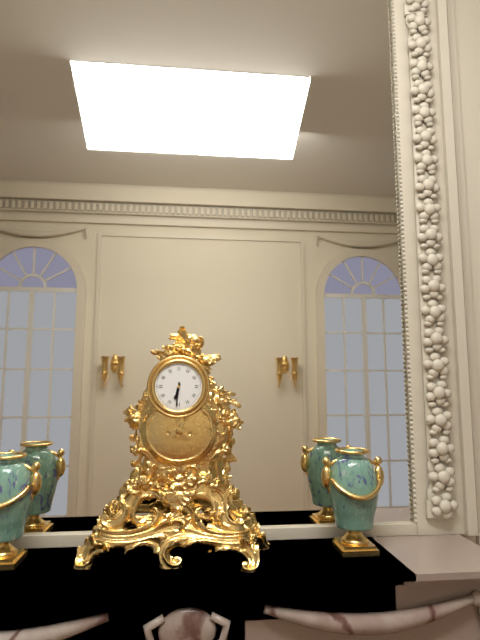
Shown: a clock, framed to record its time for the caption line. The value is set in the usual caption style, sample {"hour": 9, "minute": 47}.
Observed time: {"hour": 6, "minute": 31}
